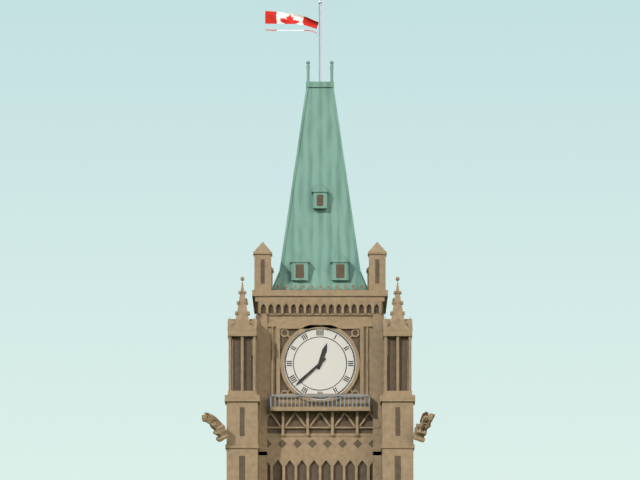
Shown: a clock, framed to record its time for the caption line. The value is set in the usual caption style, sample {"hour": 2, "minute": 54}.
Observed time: {"hour": 12, "minute": 38}
